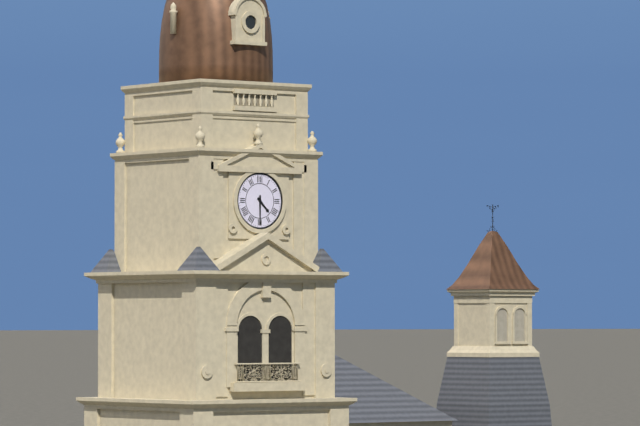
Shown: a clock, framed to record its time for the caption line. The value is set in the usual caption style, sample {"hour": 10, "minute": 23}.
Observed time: {"hour": 4, "minute": 30}
